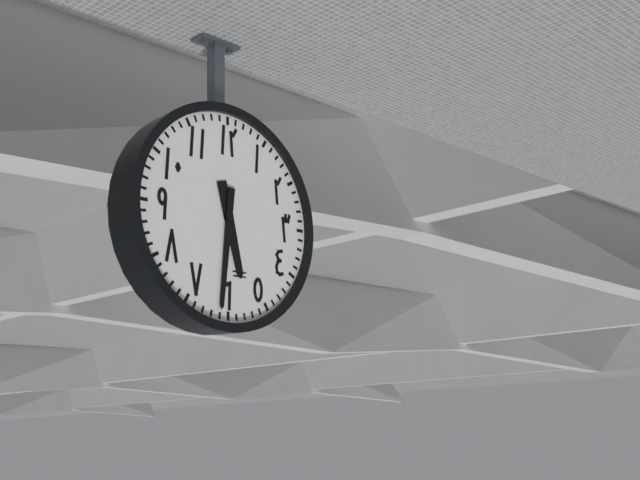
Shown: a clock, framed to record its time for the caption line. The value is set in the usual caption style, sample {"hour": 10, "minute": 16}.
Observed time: {"hour": 5, "minute": 31}
